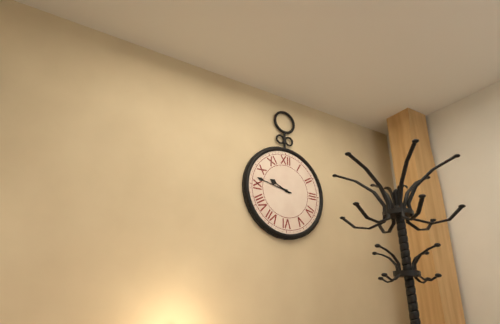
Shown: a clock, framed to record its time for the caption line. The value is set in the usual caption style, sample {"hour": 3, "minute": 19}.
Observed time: {"hour": 9, "minute": 47}
